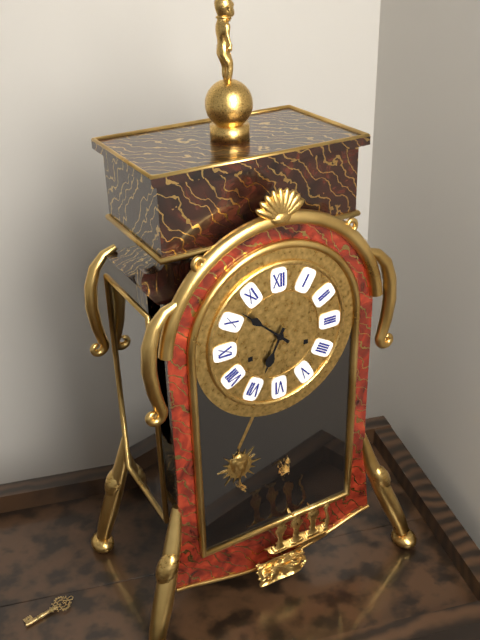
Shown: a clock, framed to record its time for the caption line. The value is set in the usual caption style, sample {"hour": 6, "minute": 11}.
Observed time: {"hour": 6, "minute": 52}
